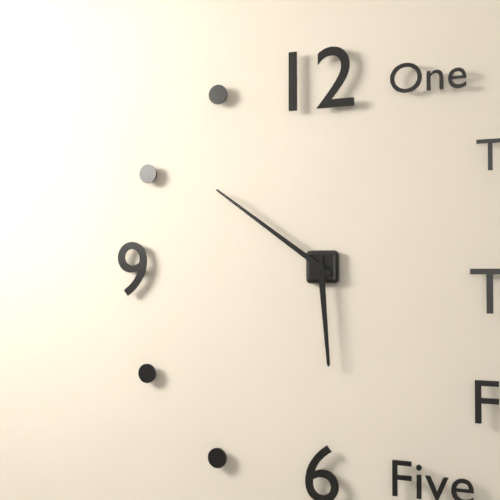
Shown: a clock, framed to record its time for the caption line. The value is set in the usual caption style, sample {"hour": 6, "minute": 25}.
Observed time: {"hour": 5, "minute": 51}
